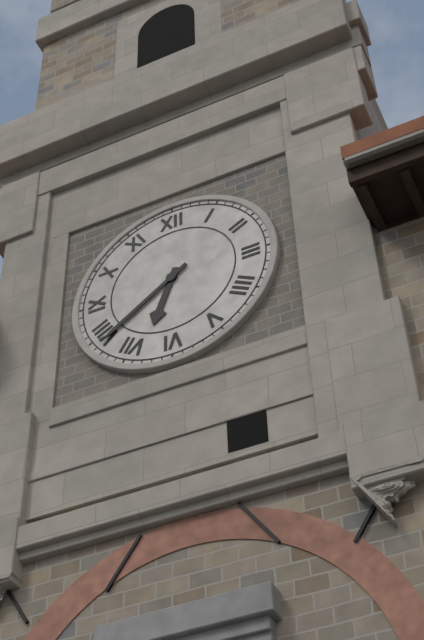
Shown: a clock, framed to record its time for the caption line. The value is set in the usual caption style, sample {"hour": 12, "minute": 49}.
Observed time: {"hour": 6, "minute": 39}
